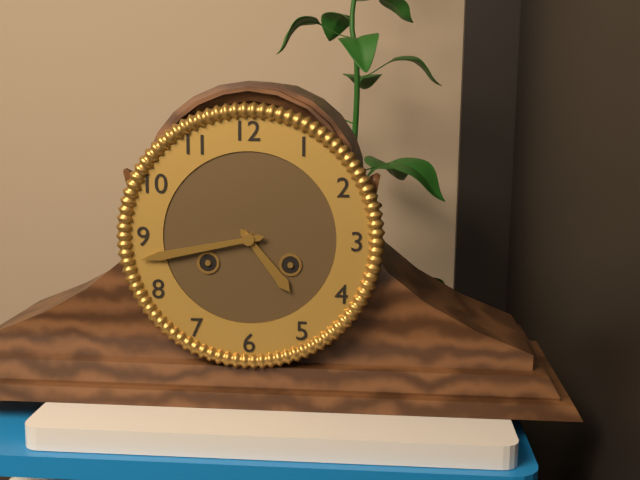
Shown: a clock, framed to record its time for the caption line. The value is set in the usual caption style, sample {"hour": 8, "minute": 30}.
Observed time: {"hour": 4, "minute": 43}
